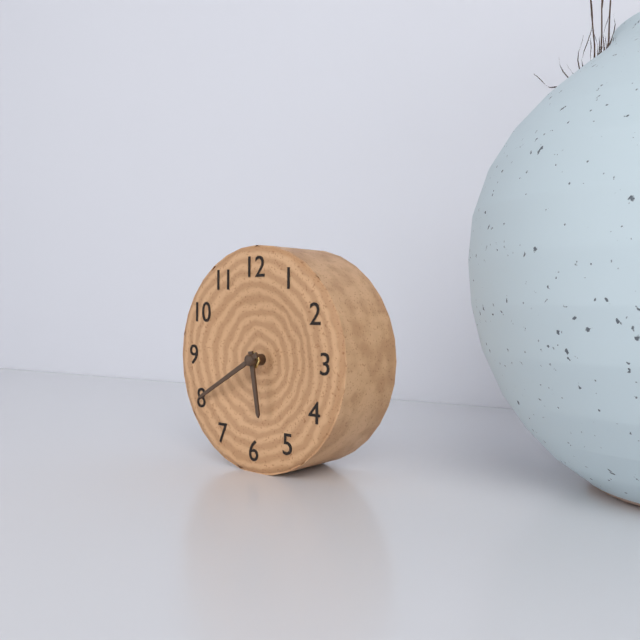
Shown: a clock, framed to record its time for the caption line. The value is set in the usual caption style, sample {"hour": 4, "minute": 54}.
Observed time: {"hour": 5, "minute": 40}
